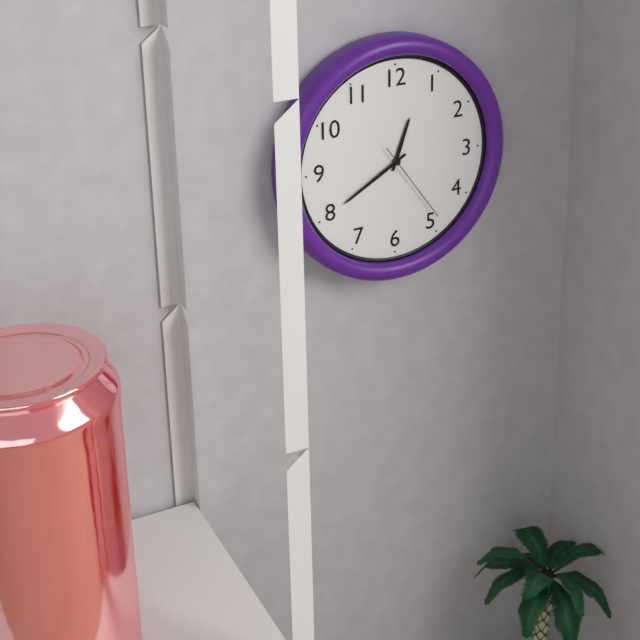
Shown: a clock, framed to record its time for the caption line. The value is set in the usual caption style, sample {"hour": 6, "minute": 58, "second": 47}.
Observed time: {"hour": 12, "minute": 40, "second": 24}
